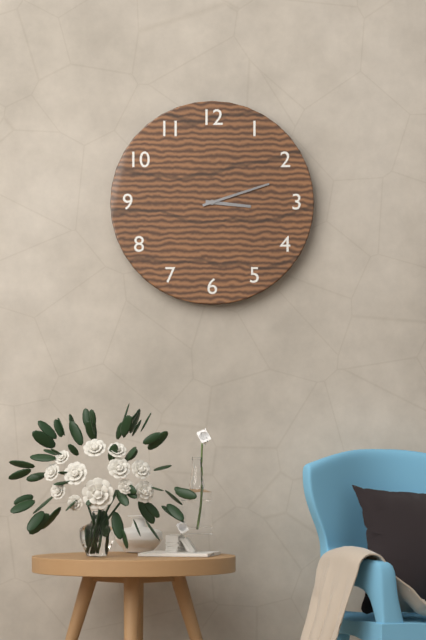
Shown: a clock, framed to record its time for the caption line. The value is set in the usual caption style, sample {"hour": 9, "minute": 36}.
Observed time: {"hour": 3, "minute": 12}
